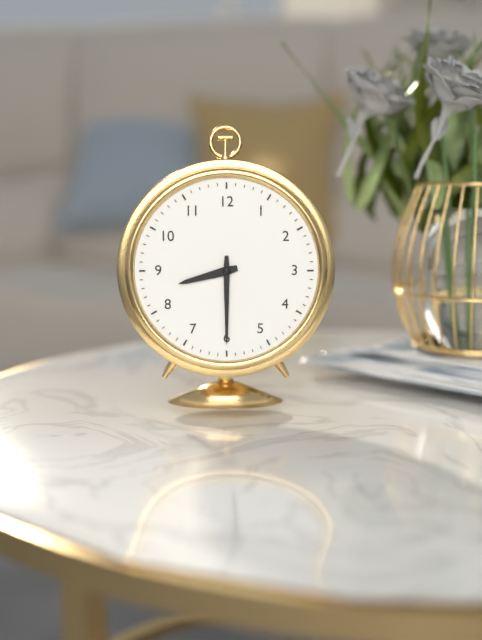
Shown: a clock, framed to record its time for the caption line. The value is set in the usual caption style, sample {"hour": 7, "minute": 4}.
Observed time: {"hour": 8, "minute": 30}
